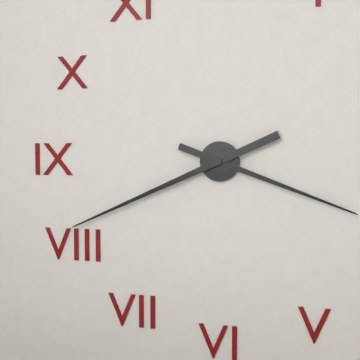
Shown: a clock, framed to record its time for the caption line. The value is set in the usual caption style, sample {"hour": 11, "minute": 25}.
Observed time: {"hour": 3, "minute": 41}
